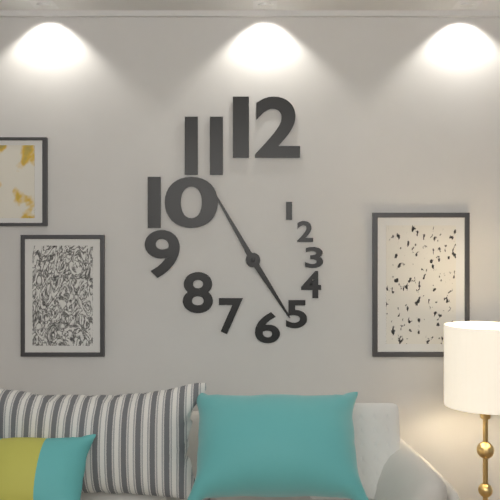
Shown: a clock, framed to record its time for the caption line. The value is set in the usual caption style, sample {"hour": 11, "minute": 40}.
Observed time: {"hour": 4, "minute": 55}
